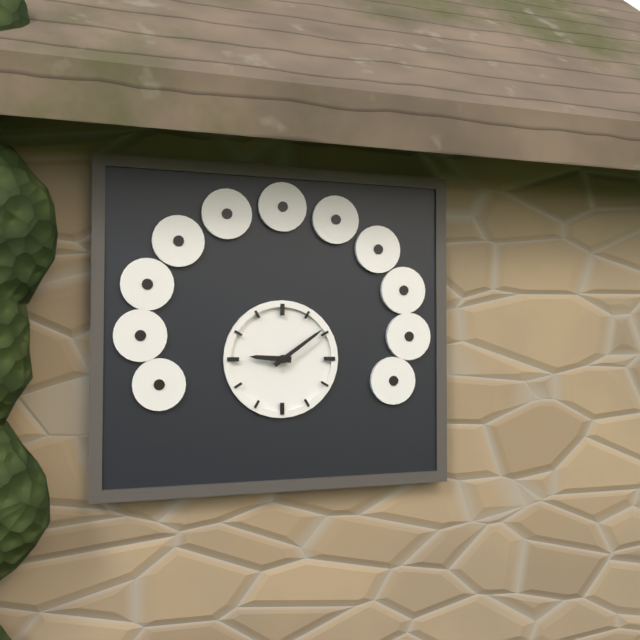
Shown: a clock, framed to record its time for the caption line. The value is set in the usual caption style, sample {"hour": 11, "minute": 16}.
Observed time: {"hour": 9, "minute": 9}
